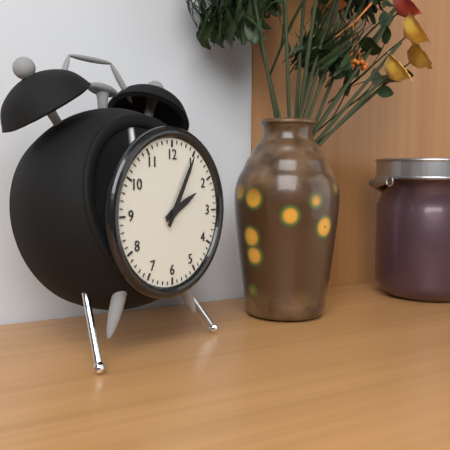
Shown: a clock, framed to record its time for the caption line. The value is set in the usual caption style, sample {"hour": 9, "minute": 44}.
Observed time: {"hour": 2, "minute": 5}
